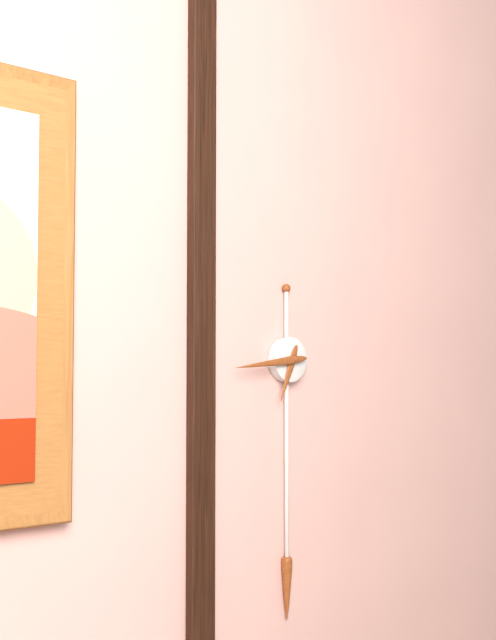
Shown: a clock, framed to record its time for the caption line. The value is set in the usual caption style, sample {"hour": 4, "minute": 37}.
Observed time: {"hour": 6, "minute": 44}
